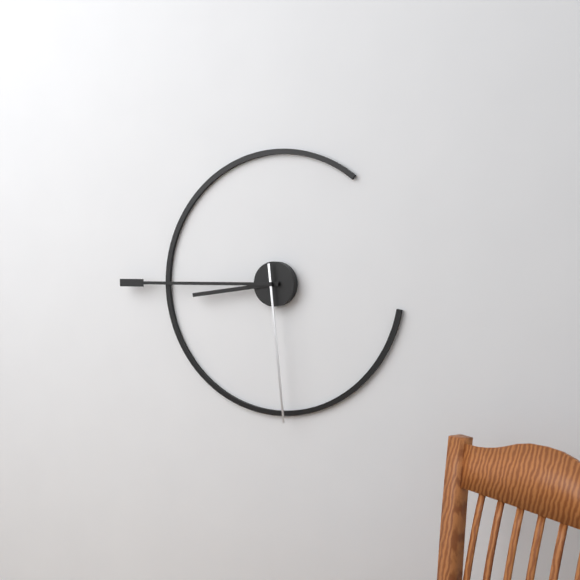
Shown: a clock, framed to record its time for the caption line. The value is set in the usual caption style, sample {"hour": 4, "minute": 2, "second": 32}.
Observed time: {"hour": 8, "minute": 45, "second": 29}
